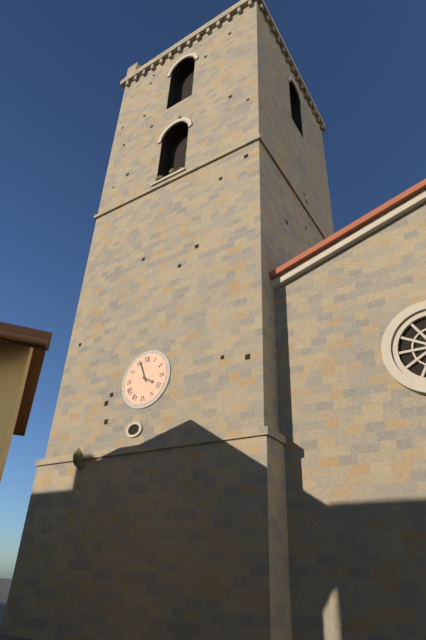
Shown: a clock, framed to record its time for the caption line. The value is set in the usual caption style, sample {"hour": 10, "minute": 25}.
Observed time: {"hour": 3, "minute": 56}
